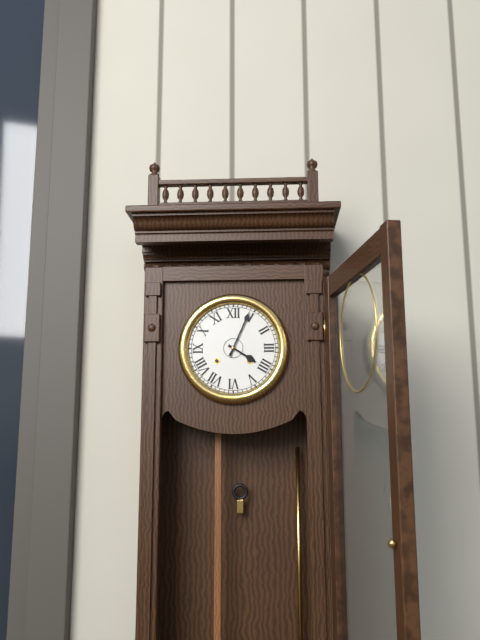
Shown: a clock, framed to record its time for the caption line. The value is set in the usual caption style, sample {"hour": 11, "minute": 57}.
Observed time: {"hour": 4, "minute": 4}
